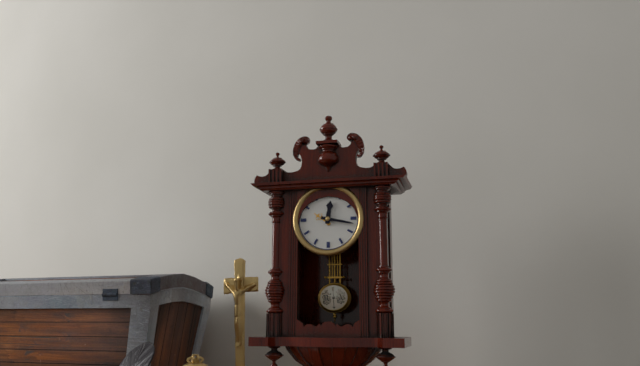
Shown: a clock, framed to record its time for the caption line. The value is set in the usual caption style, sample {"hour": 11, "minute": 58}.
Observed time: {"hour": 12, "minute": 17}
